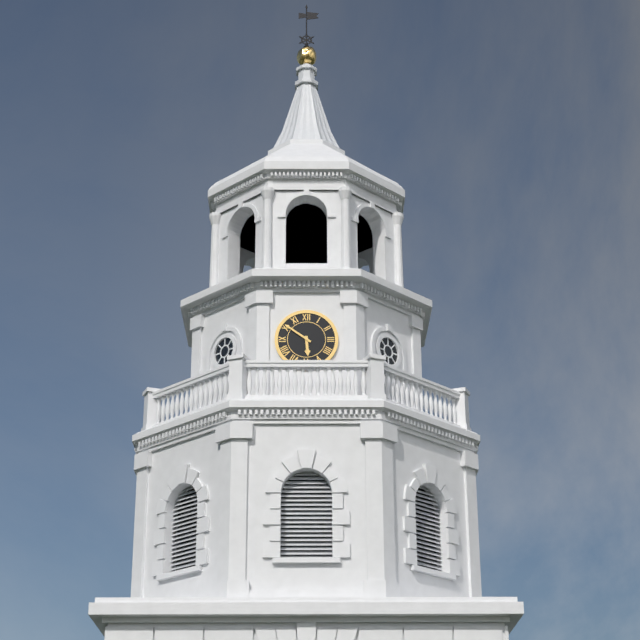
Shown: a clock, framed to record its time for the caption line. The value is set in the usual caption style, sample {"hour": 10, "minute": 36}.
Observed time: {"hour": 5, "minute": 51}
